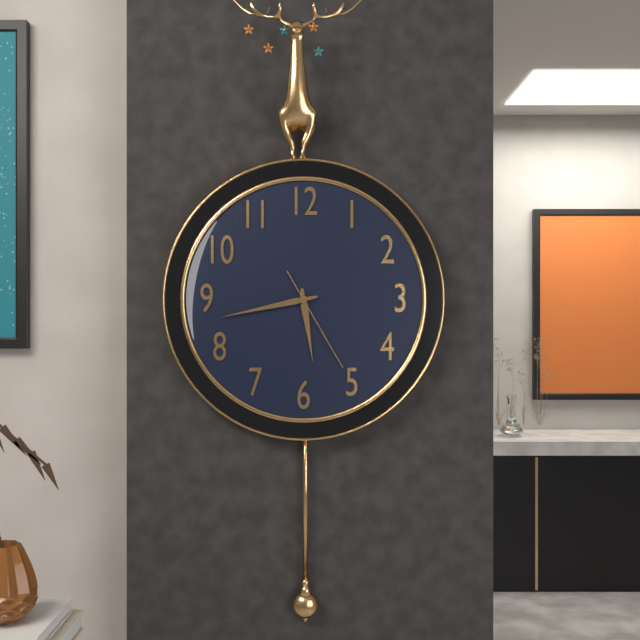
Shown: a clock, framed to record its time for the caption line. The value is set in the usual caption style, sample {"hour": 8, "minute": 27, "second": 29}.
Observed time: {"hour": 5, "minute": 43, "second": 25}
